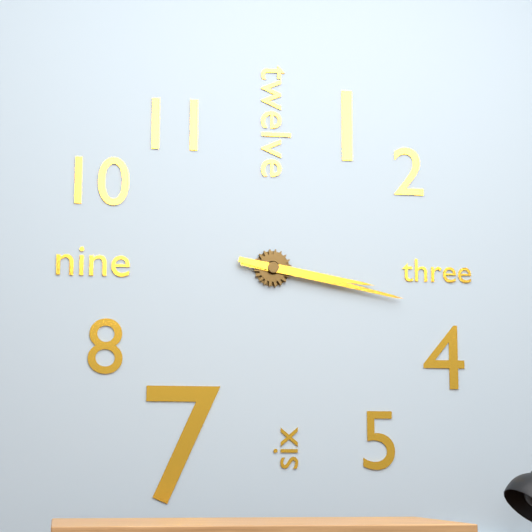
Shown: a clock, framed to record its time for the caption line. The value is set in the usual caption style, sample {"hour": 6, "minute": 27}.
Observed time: {"hour": 3, "minute": 17}
